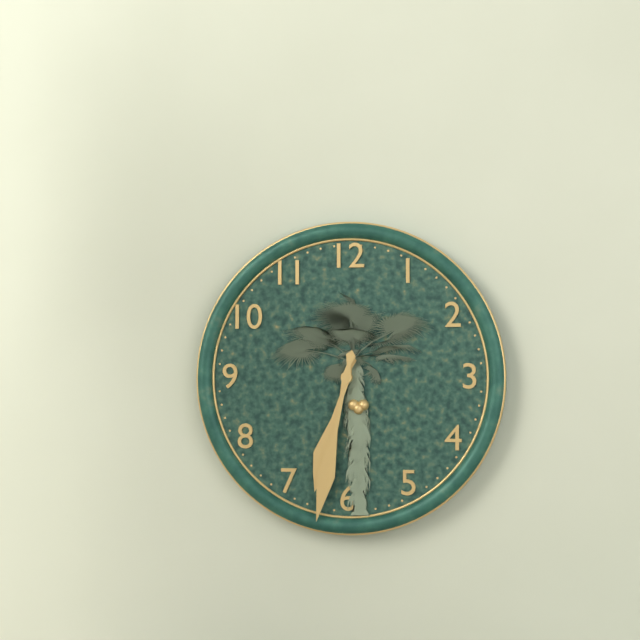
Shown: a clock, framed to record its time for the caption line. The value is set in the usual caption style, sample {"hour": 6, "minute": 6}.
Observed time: {"hour": 6, "minute": 32}
